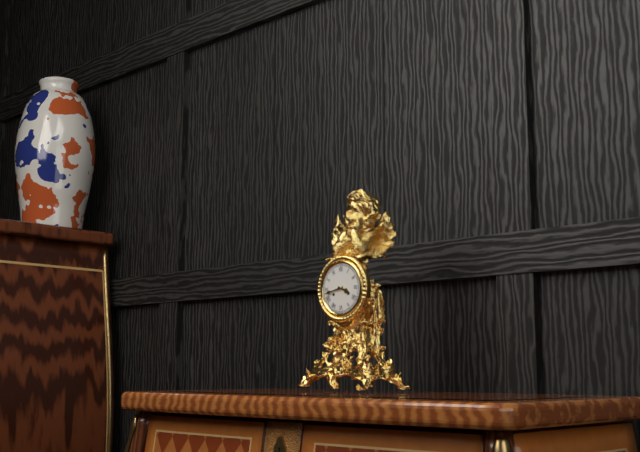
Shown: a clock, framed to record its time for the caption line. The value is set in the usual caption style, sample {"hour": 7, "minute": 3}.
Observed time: {"hour": 3, "minute": 43}
